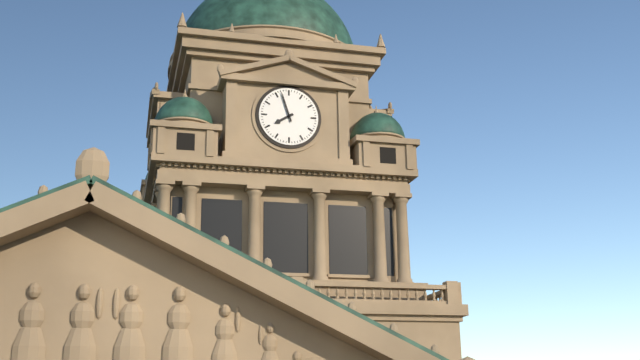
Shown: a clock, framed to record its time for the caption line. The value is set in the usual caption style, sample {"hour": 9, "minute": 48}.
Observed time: {"hour": 7, "minute": 57}
